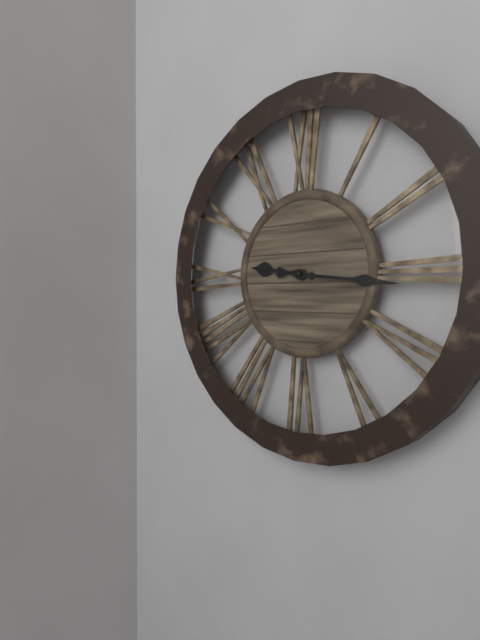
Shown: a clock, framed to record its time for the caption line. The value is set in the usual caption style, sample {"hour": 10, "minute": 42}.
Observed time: {"hour": 9, "minute": 16}
